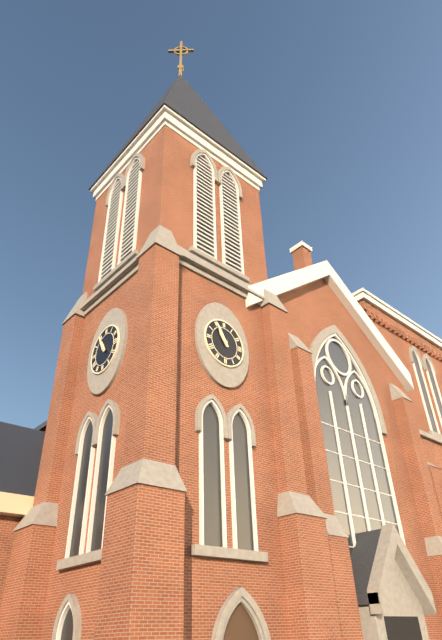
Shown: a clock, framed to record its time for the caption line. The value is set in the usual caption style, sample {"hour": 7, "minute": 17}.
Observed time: {"hour": 10, "minute": 55}
